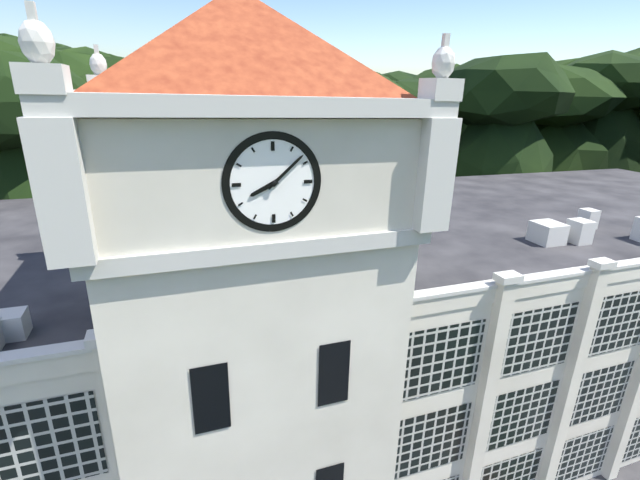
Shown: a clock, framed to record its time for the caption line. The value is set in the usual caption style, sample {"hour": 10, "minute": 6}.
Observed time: {"hour": 8, "minute": 8}
